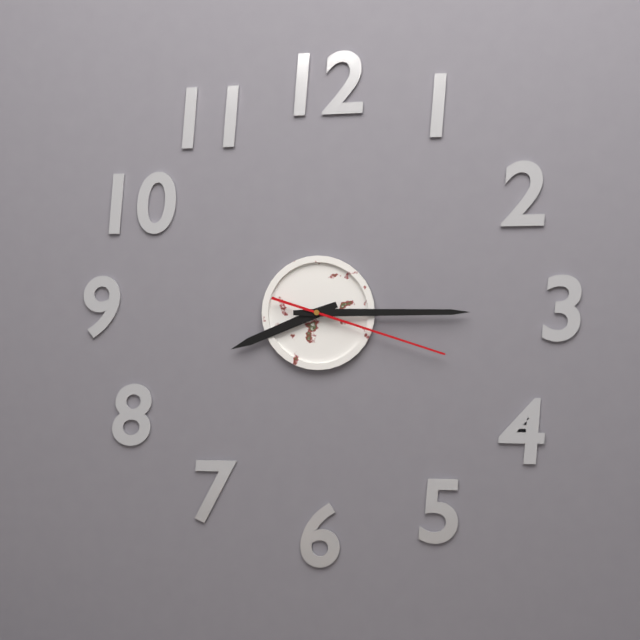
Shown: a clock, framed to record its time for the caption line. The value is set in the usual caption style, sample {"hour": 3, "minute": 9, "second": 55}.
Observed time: {"hour": 8, "minute": 15, "second": 18}
